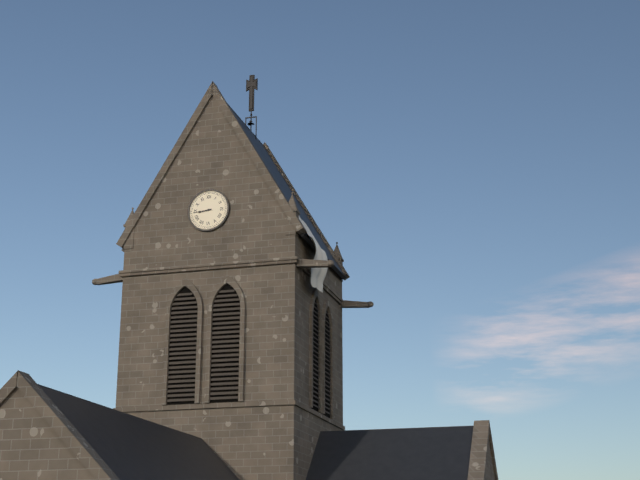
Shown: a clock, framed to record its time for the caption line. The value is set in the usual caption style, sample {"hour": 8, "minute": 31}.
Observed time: {"hour": 8, "minute": 44}
